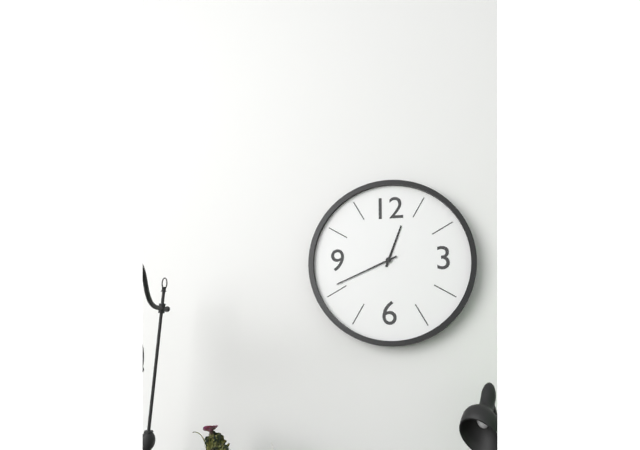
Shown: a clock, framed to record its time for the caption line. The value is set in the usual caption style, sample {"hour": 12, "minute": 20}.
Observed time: {"hour": 12, "minute": 41}
